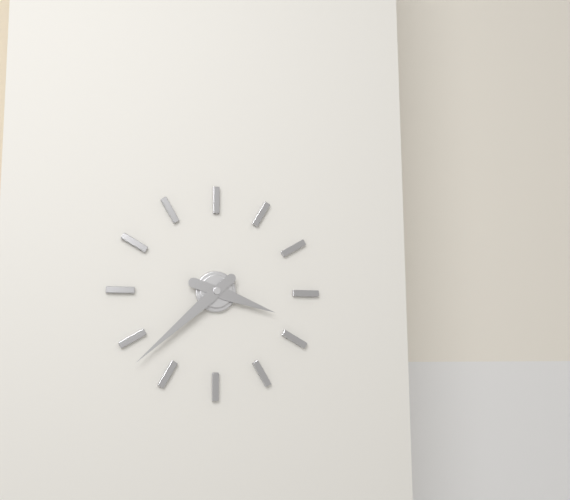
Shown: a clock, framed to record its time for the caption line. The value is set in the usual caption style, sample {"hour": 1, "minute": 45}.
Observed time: {"hour": 3, "minute": 38}
